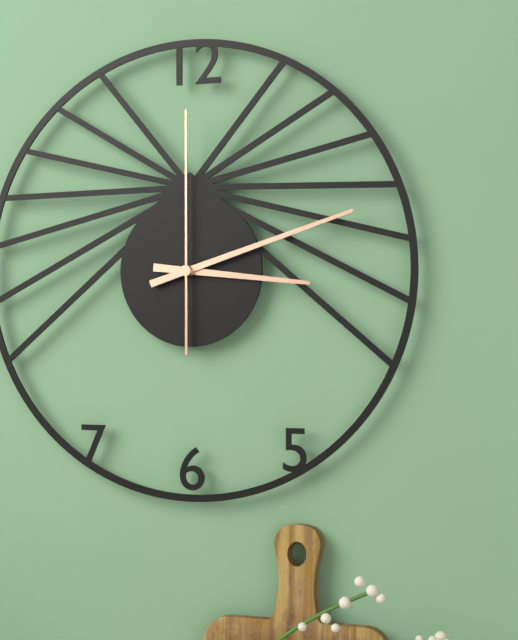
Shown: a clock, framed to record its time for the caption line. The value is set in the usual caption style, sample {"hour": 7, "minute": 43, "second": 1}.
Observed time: {"hour": 3, "minute": 12, "second": 0}
